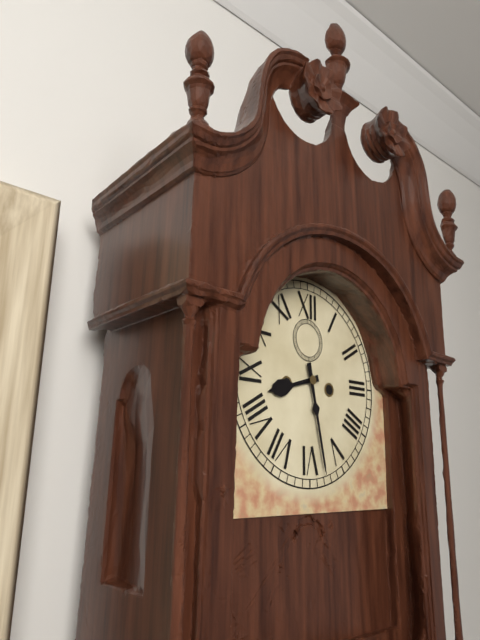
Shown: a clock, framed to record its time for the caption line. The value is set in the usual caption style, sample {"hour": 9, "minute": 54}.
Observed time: {"hour": 8, "minute": 28}
